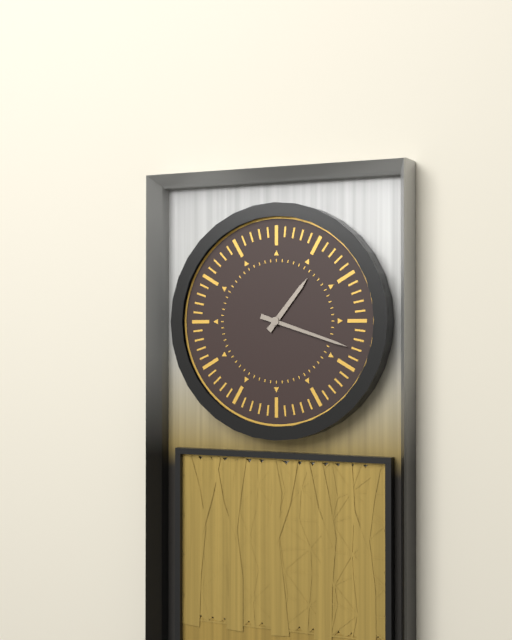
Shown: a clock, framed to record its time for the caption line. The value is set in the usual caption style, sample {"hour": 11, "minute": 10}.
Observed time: {"hour": 1, "minute": 18}
